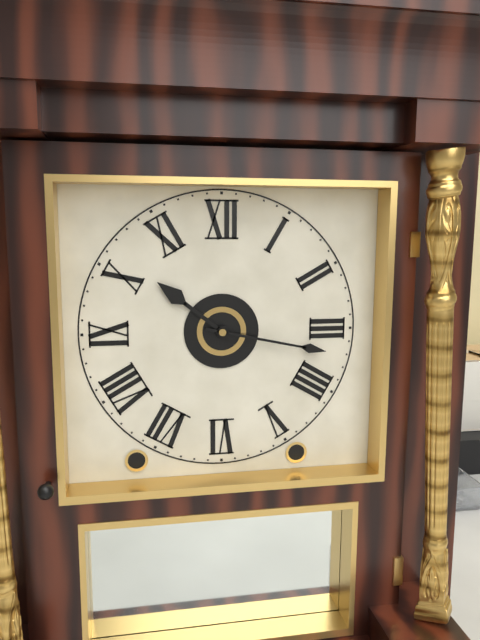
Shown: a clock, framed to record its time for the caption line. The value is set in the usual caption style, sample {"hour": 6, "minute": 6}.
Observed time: {"hour": 10, "minute": 17}
